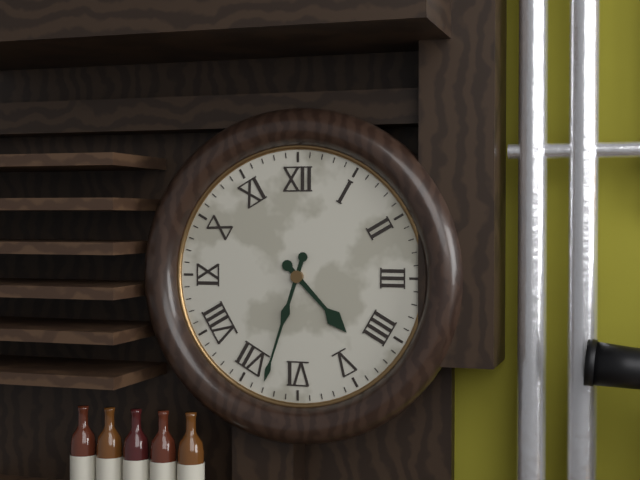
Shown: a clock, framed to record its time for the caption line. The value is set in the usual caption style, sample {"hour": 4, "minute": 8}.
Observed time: {"hour": 4, "minute": 33}
